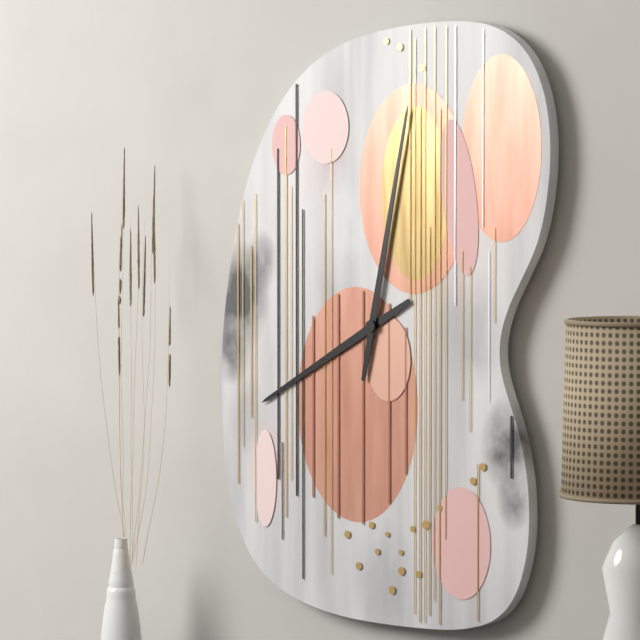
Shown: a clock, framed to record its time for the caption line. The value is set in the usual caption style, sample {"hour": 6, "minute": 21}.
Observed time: {"hour": 8, "minute": 2}
